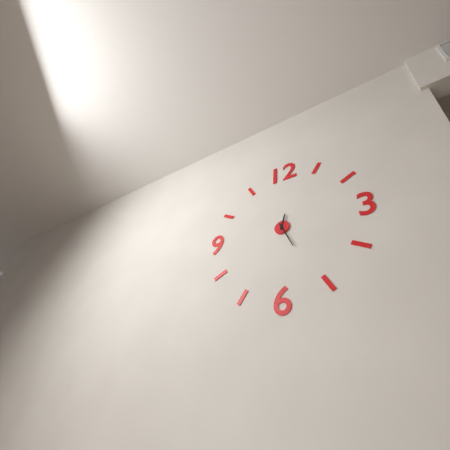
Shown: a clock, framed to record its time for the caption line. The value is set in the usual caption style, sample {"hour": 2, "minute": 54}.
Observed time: {"hour": 12, "minute": 26}
